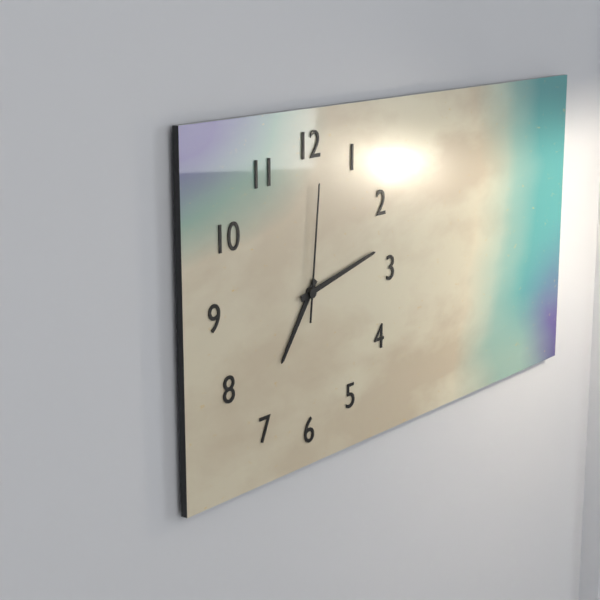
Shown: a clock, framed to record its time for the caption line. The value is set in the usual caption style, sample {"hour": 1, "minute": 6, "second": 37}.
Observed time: {"hour": 7, "minute": 13, "second": 1}
